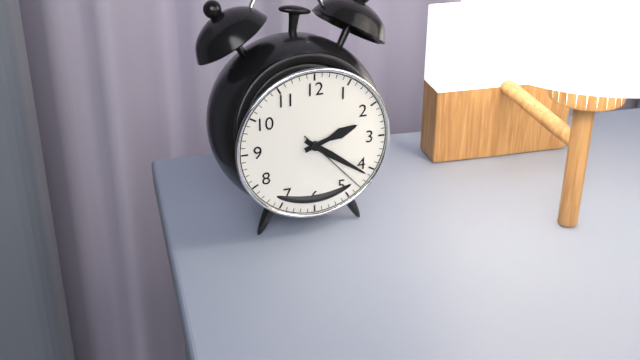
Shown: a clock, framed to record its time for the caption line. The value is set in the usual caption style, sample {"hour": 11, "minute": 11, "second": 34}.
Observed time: {"hour": 2, "minute": 21, "second": 23}
